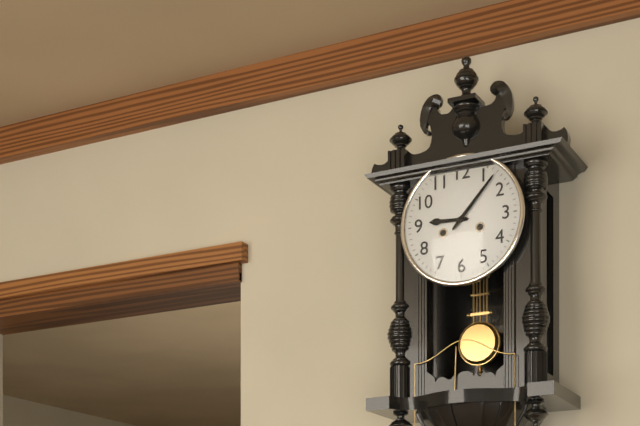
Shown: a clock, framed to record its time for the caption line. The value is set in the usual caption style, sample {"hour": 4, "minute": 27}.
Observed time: {"hour": 9, "minute": 7}
